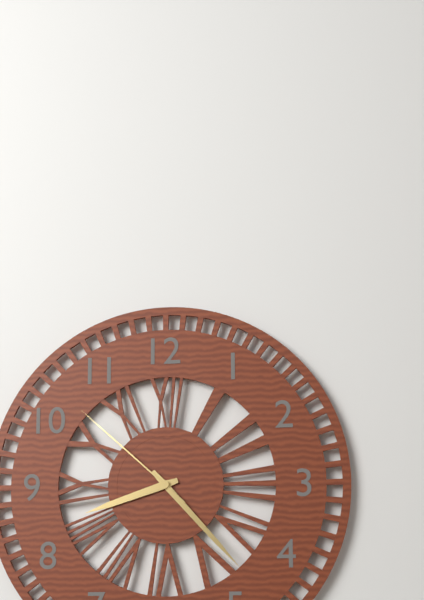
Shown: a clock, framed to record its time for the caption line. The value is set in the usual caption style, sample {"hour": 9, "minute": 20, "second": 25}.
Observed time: {"hour": 8, "minute": 23, "second": 52}
